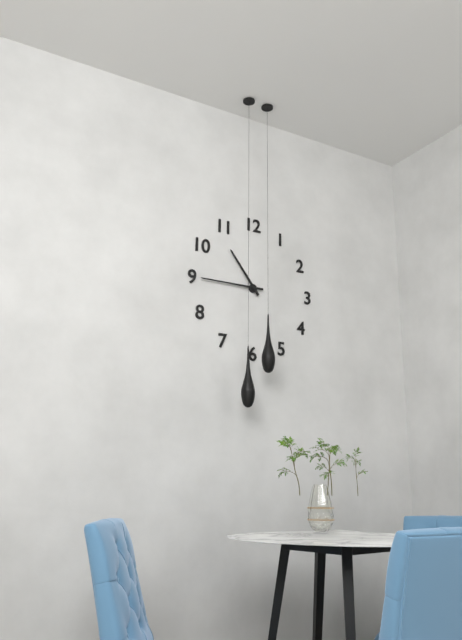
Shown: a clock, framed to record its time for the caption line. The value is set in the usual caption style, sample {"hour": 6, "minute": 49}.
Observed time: {"hour": 10, "minute": 45}
